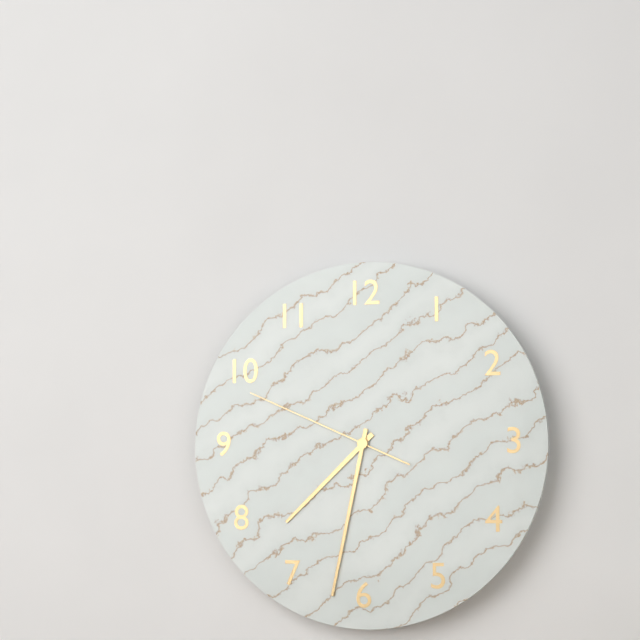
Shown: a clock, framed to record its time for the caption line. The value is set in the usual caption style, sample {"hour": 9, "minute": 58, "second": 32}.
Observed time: {"hour": 7, "minute": 32, "second": 49}
